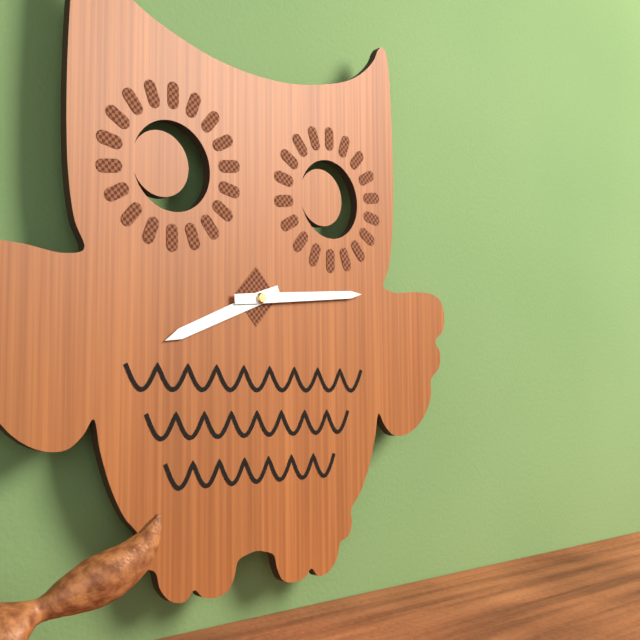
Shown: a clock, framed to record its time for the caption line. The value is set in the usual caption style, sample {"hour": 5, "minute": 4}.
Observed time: {"hour": 8, "minute": 14}
